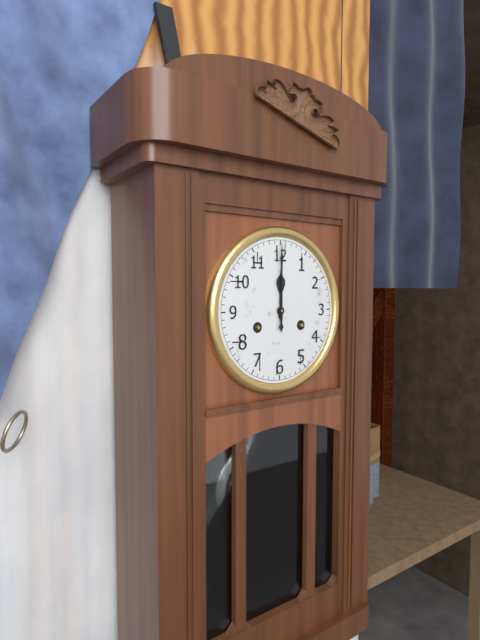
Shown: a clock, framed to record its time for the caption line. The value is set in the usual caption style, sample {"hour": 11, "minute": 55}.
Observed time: {"hour": 12, "minute": 0}
